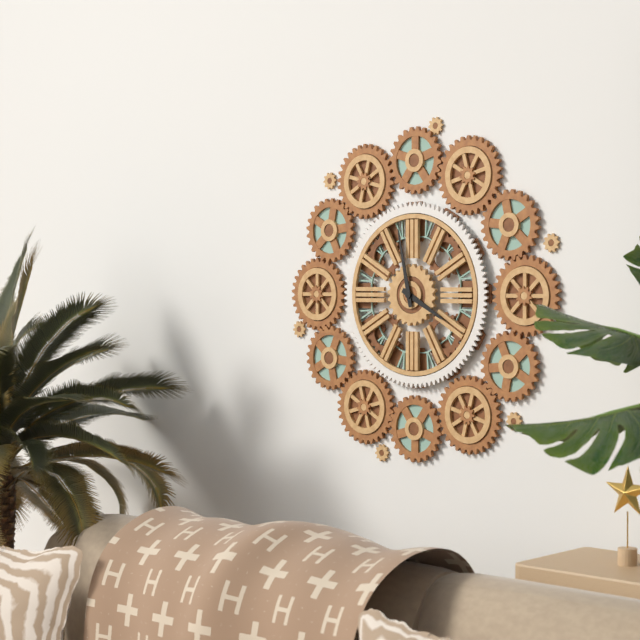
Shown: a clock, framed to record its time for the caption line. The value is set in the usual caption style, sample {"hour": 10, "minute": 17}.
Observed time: {"hour": 3, "minute": 58}
